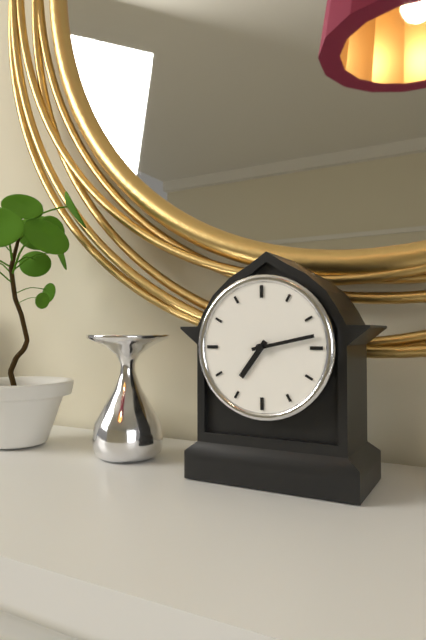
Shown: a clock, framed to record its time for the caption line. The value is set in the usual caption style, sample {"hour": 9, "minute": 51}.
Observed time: {"hour": 7, "minute": 13}
